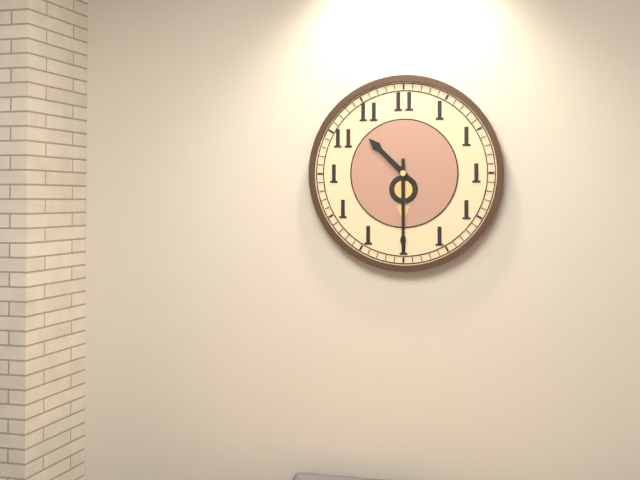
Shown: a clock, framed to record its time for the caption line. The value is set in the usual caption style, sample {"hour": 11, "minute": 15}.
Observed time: {"hour": 10, "minute": 30}
